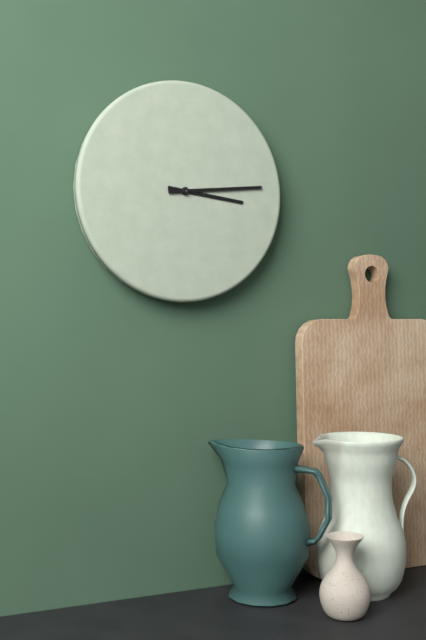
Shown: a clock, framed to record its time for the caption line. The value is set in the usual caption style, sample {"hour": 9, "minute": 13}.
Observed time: {"hour": 3, "minute": 14}
